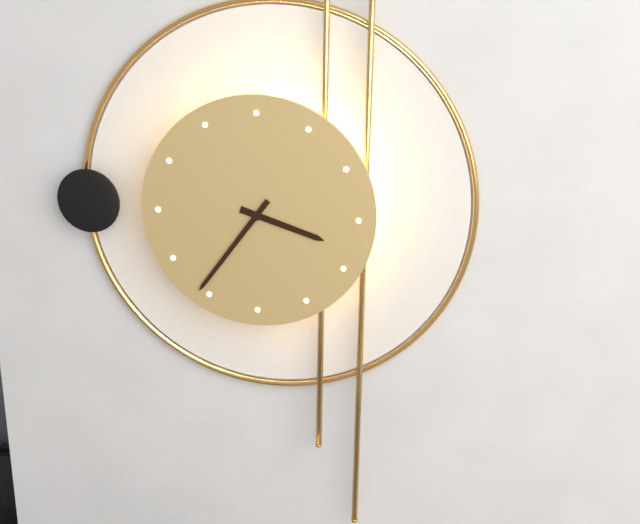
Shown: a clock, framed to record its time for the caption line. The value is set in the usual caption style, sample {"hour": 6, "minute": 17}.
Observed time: {"hour": 3, "minute": 36}
